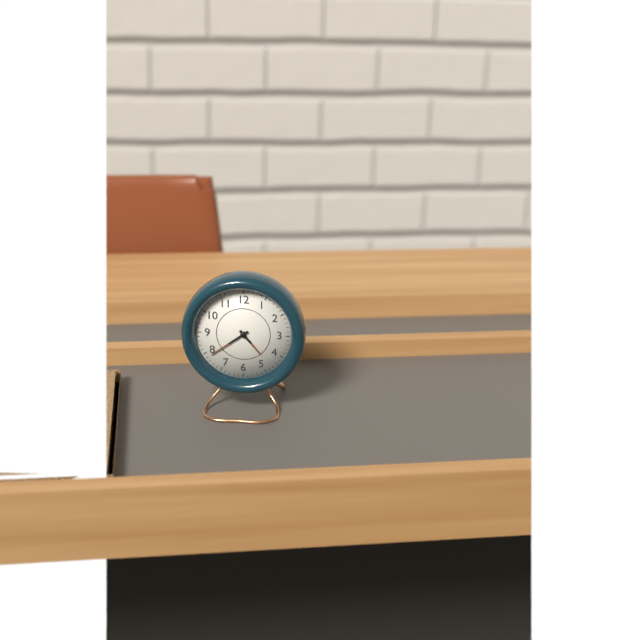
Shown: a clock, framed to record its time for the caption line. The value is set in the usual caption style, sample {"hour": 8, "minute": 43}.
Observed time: {"hour": 4, "minute": 39}
